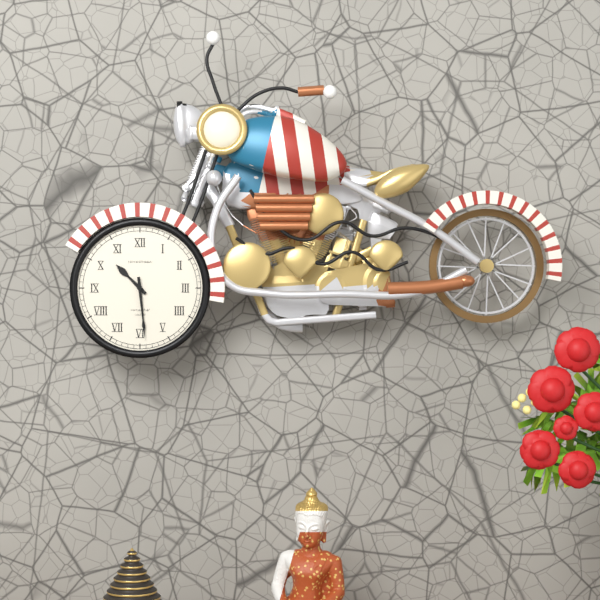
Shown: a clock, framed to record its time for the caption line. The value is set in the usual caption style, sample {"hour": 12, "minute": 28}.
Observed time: {"hour": 10, "minute": 29}
